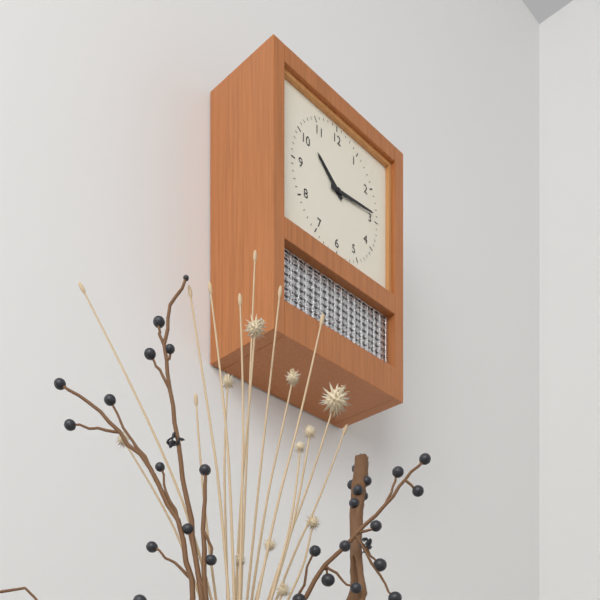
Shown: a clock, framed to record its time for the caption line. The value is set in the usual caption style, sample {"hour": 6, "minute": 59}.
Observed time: {"hour": 10, "minute": 14}
